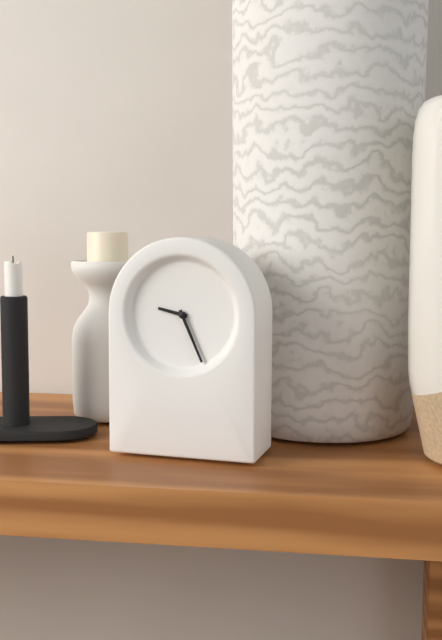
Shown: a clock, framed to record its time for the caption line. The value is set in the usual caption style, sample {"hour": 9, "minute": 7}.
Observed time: {"hour": 9, "minute": 26}
